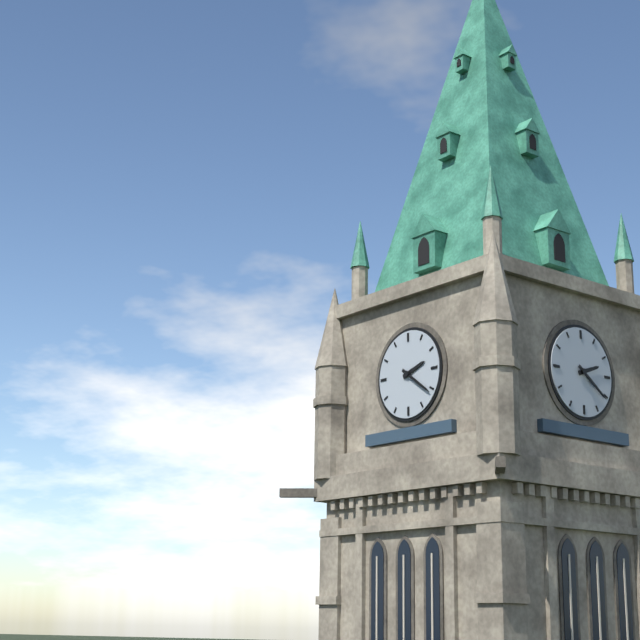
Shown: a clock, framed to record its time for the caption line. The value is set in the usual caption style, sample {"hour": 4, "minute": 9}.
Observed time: {"hour": 2, "minute": 21}
